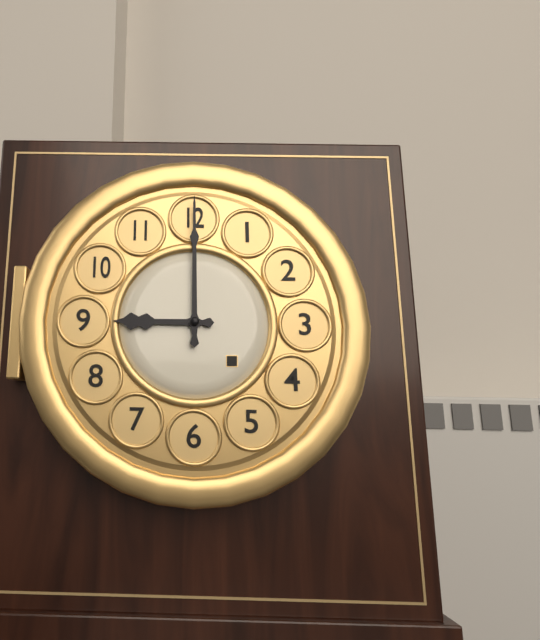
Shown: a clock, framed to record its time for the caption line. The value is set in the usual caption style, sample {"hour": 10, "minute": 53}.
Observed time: {"hour": 9, "minute": 0}
